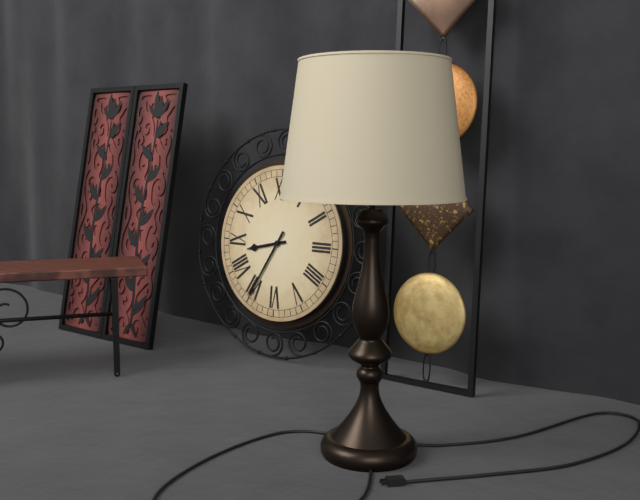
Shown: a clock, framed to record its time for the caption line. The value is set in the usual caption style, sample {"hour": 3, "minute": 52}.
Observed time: {"hour": 8, "minute": 35}
